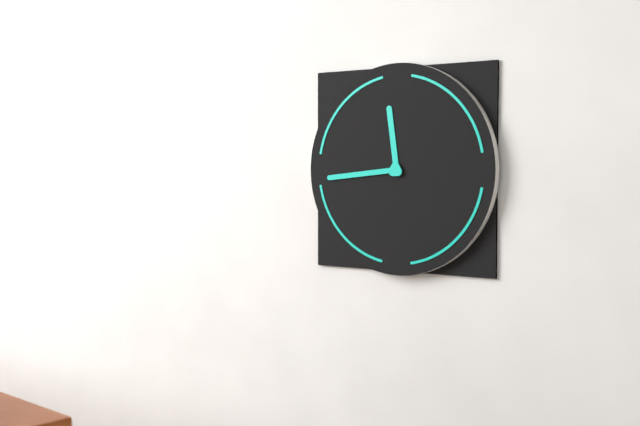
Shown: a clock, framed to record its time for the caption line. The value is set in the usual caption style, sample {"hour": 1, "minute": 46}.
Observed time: {"hour": 11, "minute": 44}
